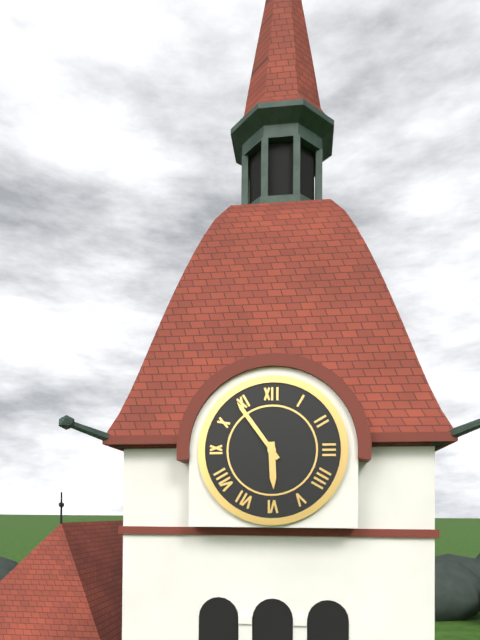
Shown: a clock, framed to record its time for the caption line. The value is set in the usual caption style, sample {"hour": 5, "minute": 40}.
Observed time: {"hour": 5, "minute": 54}
